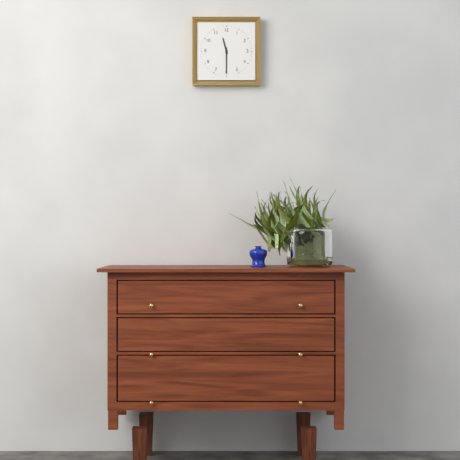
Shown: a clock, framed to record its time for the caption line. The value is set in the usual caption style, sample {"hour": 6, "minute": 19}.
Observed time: {"hour": 11, "minute": 30}
